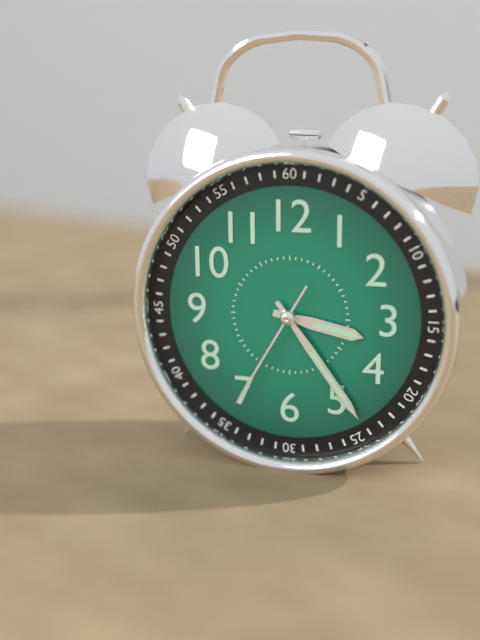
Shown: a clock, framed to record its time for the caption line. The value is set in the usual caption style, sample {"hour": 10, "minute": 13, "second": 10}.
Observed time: {"hour": 3, "minute": 24, "second": 35}
